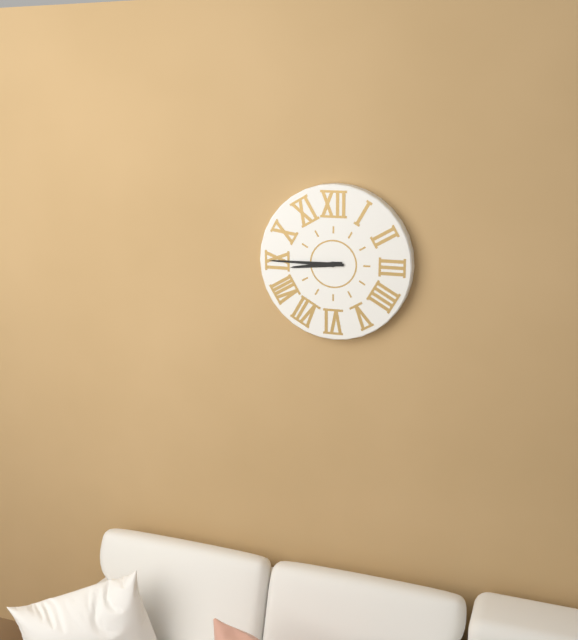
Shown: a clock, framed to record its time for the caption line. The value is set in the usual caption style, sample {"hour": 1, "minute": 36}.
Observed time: {"hour": 8, "minute": 45}
